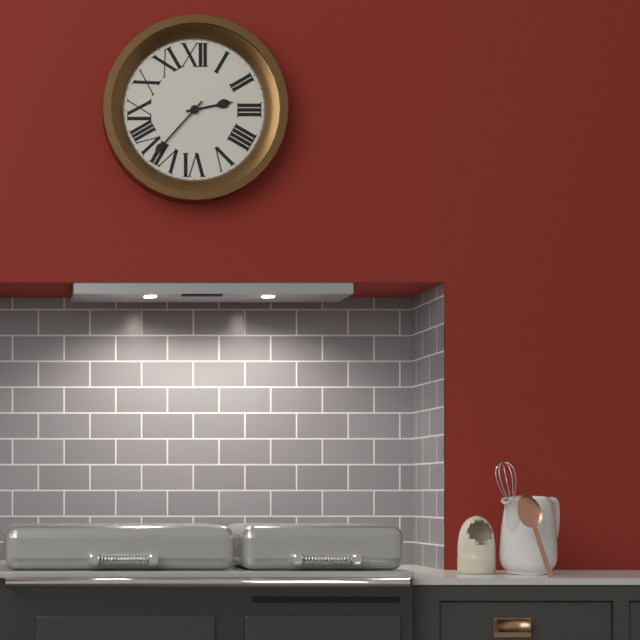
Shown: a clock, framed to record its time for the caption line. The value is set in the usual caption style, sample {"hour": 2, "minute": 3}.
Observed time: {"hour": 2, "minute": 37}
